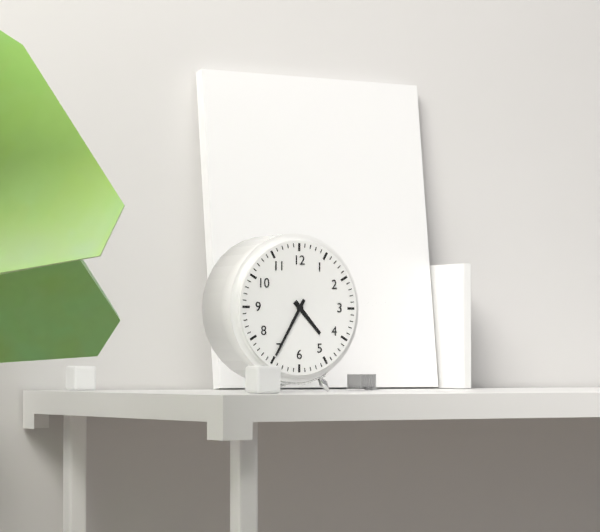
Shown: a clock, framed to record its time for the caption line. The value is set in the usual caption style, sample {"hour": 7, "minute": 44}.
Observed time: {"hour": 4, "minute": 35}
